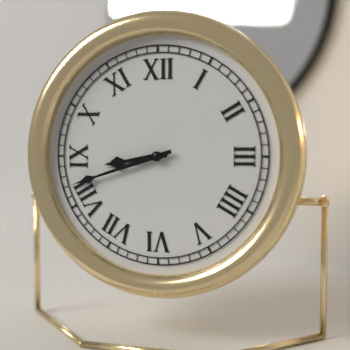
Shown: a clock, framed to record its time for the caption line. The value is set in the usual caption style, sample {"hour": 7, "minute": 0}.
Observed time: {"hour": 8, "minute": 42}
